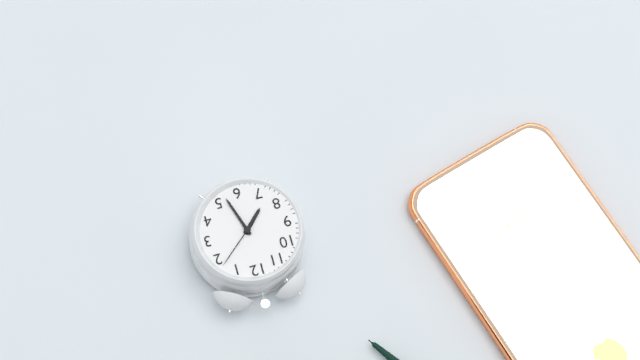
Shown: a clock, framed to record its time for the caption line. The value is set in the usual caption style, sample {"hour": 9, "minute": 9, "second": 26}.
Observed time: {"hour": 7, "minute": 27, "second": 8}
